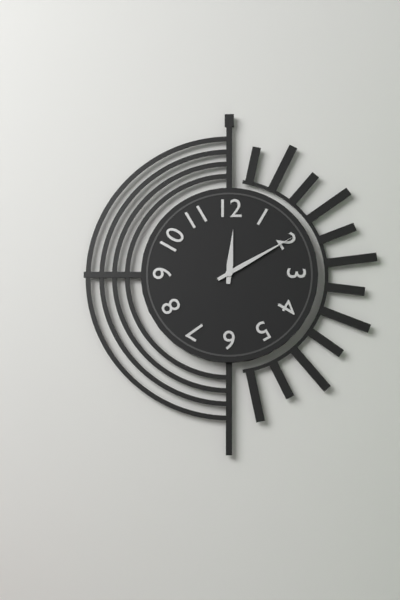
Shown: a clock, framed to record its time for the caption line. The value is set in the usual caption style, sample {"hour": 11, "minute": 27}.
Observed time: {"hour": 12, "minute": 10}
